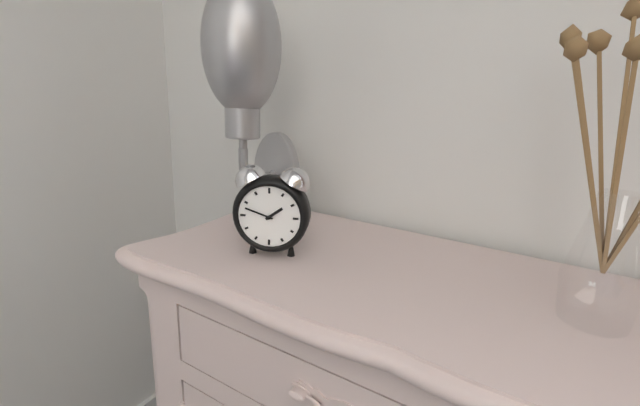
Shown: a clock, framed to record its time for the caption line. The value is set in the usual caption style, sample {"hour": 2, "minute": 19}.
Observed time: {"hour": 1, "minute": 48}
